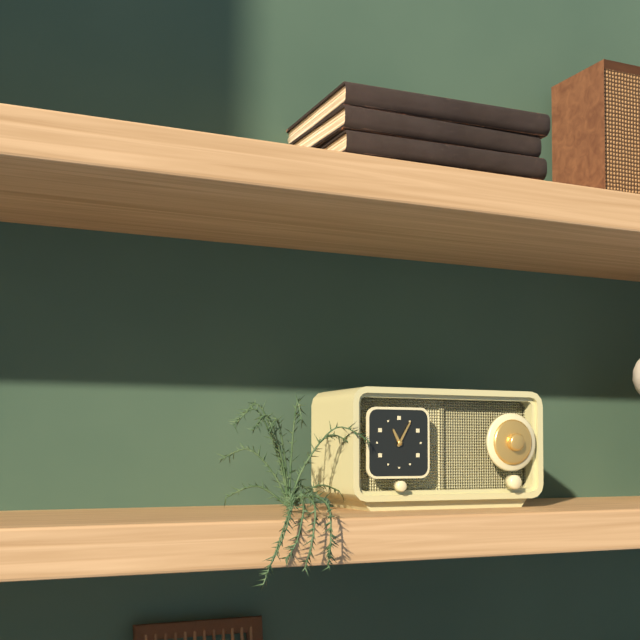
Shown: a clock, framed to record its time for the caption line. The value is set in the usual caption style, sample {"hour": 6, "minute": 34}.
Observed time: {"hour": 11, "minute": 5}
